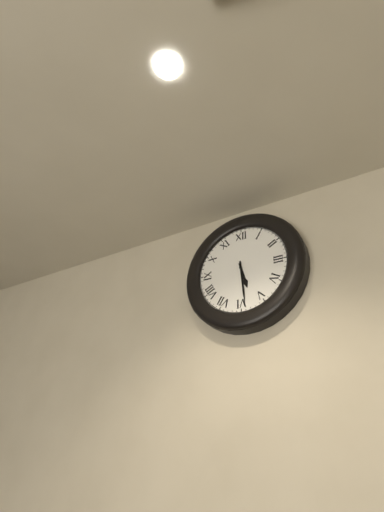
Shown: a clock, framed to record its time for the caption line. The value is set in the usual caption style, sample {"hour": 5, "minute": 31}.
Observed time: {"hour": 5, "minute": 29}
